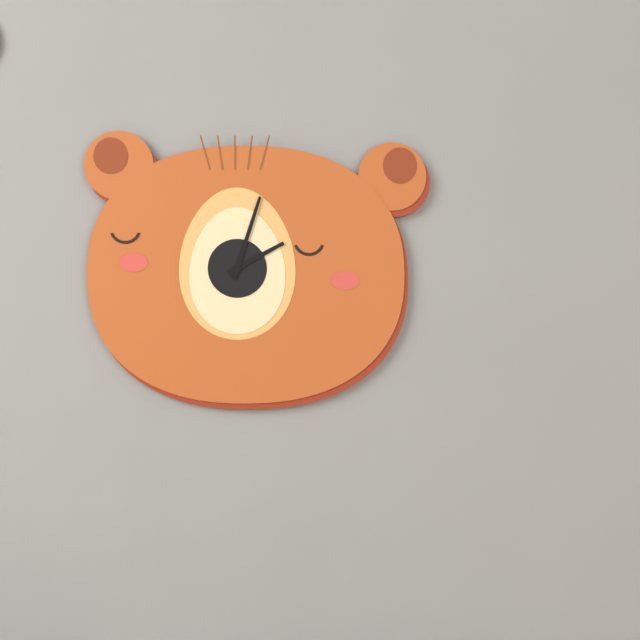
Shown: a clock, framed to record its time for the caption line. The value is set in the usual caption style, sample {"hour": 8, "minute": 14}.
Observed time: {"hour": 2, "minute": 3}
